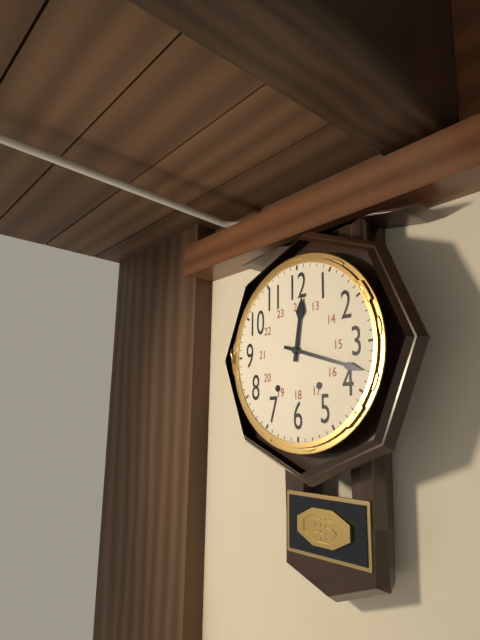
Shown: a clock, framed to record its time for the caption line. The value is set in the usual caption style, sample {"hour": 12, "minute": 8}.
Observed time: {"hour": 12, "minute": 18}
